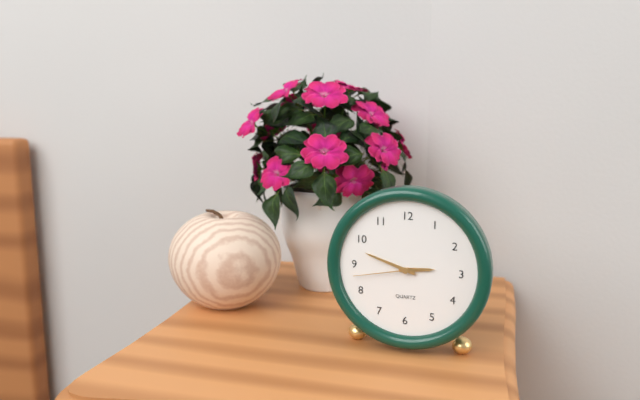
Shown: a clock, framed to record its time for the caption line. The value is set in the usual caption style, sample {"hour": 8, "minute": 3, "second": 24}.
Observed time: {"hour": 2, "minute": 48, "second": 43}
